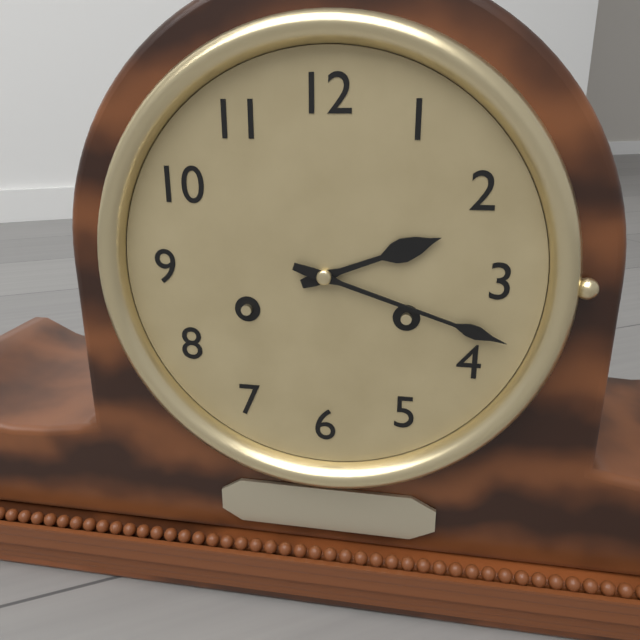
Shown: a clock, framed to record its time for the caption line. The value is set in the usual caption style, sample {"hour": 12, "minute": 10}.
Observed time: {"hour": 2, "minute": 18}
